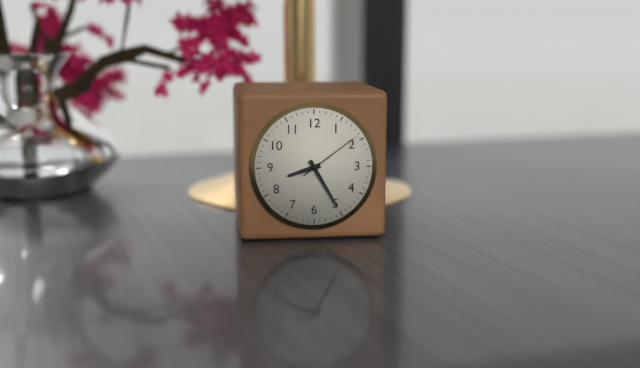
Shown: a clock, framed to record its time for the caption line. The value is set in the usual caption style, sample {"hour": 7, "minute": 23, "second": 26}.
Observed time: {"hour": 8, "minute": 25, "second": 9}
